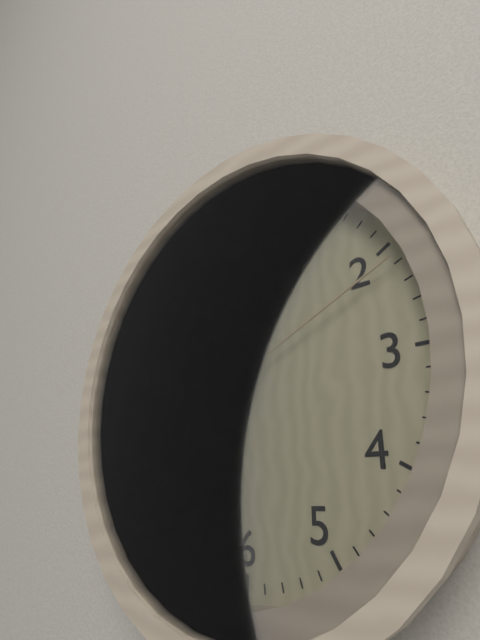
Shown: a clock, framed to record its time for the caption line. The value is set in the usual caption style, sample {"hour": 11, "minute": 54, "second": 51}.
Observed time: {"hour": 6, "minute": 36, "second": 11}
